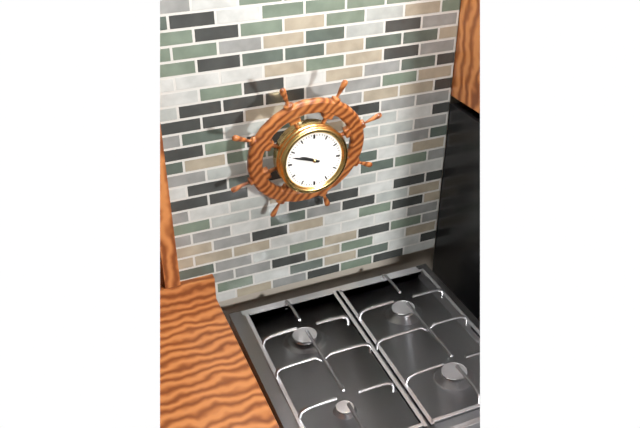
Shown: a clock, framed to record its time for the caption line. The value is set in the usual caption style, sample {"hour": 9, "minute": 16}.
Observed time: {"hour": 9, "minute": 48}
